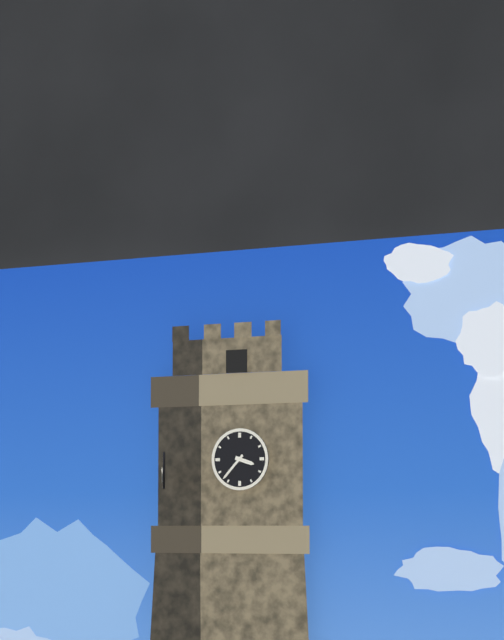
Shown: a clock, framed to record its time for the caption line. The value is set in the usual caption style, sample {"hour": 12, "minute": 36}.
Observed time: {"hour": 3, "minute": 37}
